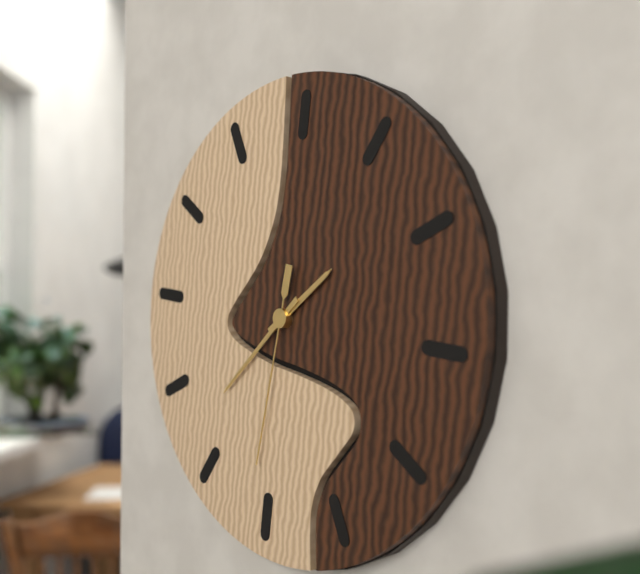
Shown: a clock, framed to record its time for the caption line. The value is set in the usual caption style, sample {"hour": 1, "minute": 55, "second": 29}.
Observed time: {"hour": 1, "minute": 37, "second": 31}
